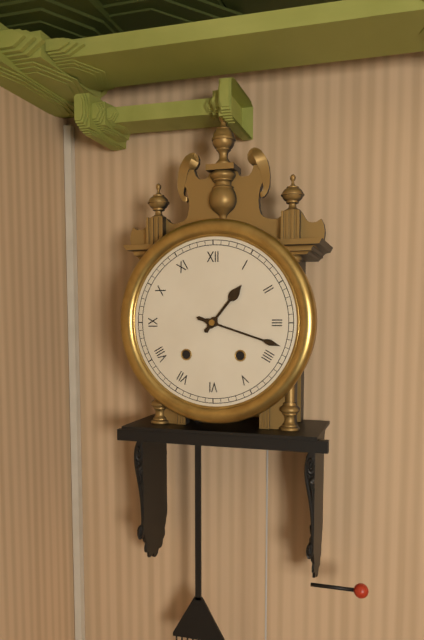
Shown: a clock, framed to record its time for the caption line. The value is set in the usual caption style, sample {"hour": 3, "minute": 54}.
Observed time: {"hour": 1, "minute": 18}
